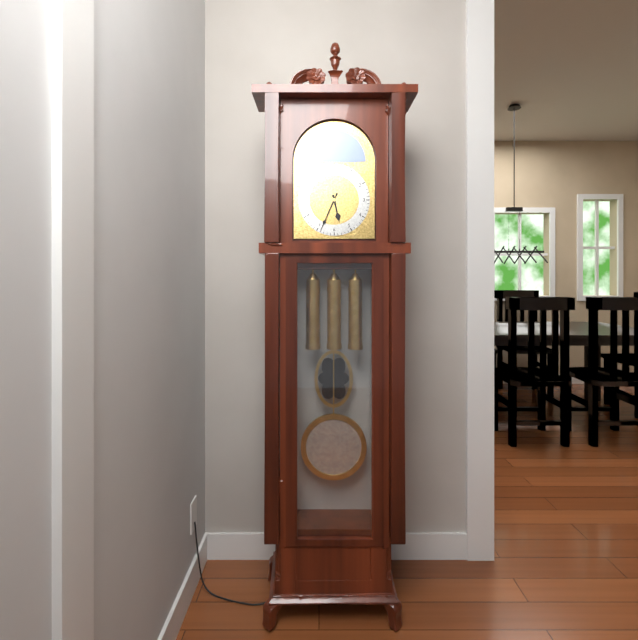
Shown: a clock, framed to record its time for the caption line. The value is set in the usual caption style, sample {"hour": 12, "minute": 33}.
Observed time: {"hour": 5, "minute": 34}
